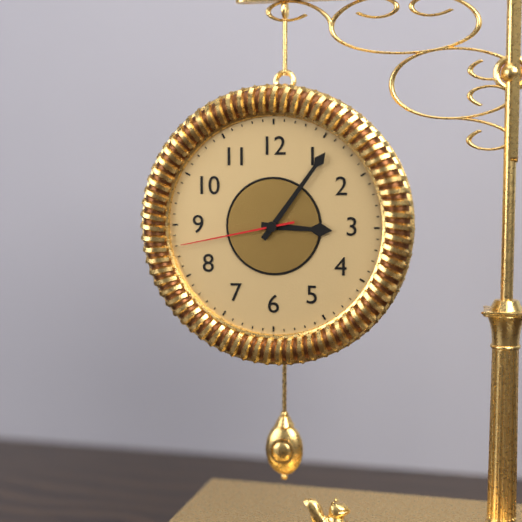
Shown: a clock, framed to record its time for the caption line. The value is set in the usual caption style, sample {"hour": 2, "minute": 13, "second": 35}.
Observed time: {"hour": 3, "minute": 6, "second": 43}
